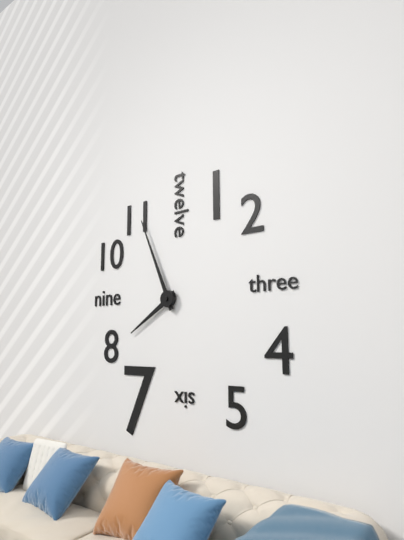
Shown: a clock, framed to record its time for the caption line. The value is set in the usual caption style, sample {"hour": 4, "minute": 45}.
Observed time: {"hour": 7, "minute": 56}
